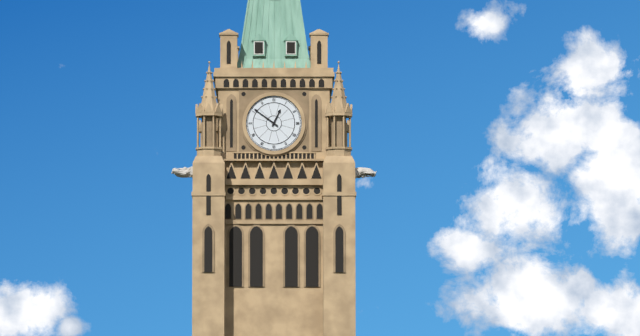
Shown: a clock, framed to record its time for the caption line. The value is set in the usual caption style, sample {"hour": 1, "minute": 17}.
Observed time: {"hour": 12, "minute": 51}
